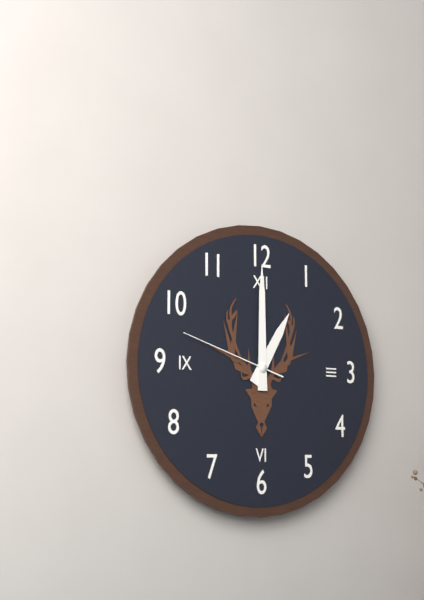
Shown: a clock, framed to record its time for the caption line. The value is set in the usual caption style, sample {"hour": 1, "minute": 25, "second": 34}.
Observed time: {"hour": 1, "minute": 0, "second": 48}
